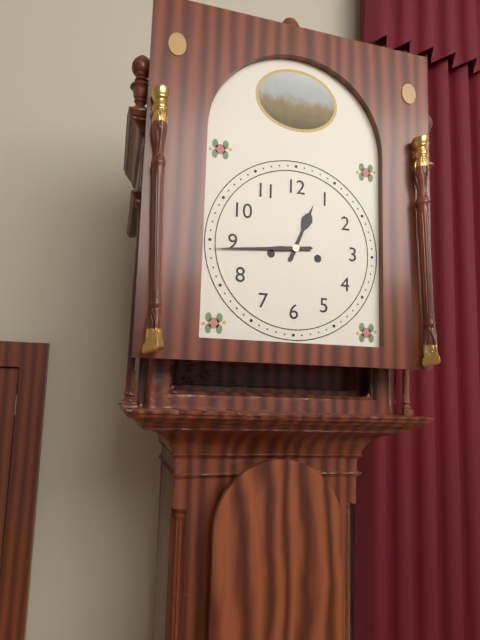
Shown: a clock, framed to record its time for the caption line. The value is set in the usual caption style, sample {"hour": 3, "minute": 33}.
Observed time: {"hour": 12, "minute": 44}
